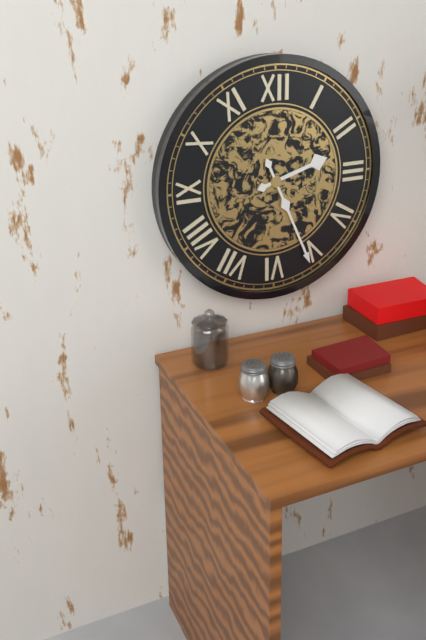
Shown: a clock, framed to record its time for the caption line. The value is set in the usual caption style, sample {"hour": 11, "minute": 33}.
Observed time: {"hour": 2, "minute": 26}
